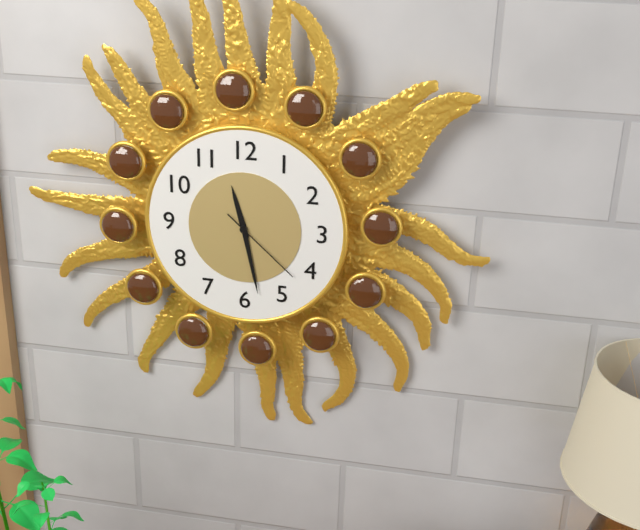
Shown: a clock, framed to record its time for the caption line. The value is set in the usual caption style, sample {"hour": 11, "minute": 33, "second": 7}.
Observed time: {"hour": 11, "minute": 28, "second": 22}
